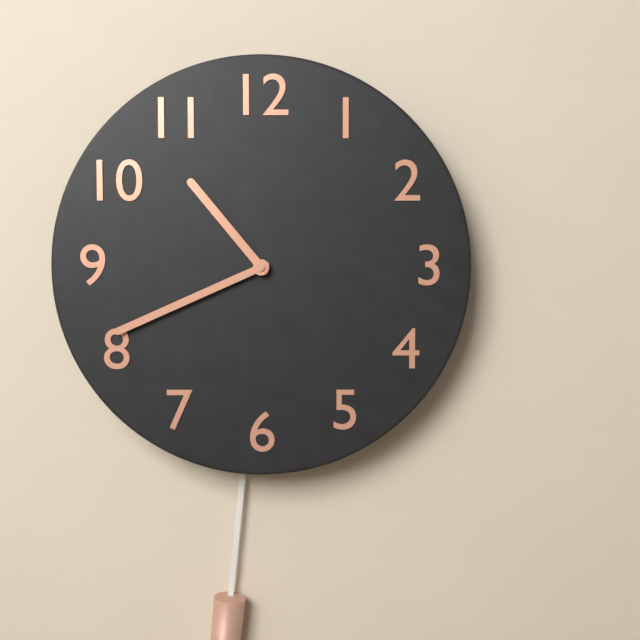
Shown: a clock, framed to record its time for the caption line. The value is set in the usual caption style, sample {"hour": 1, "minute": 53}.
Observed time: {"hour": 10, "minute": 41}
